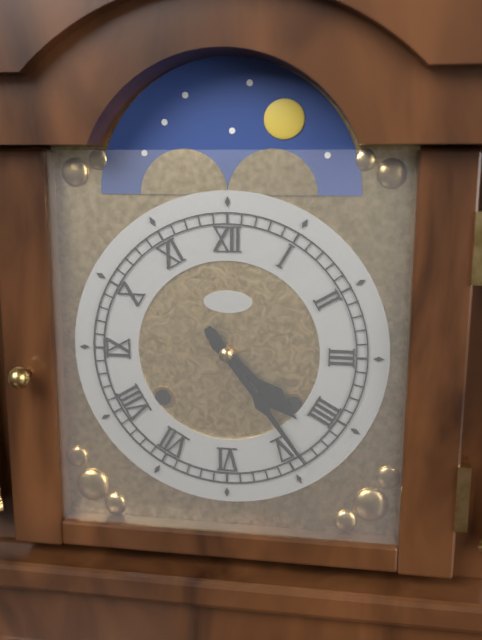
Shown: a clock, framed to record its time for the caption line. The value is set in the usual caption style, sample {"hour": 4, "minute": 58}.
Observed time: {"hour": 4, "minute": 24}
